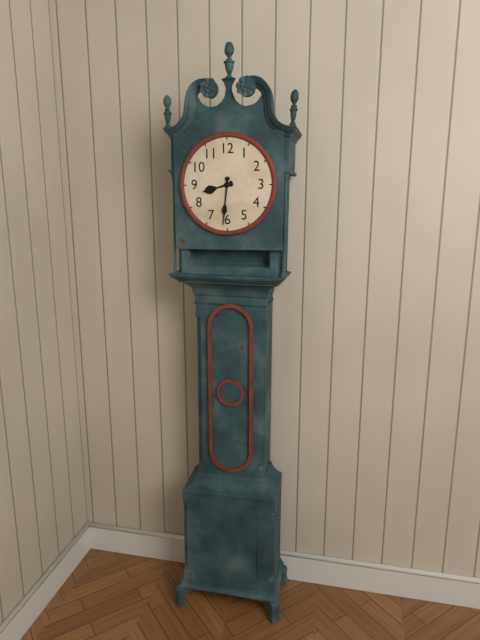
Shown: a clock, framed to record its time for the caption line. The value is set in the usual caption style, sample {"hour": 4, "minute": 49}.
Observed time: {"hour": 8, "minute": 31}
